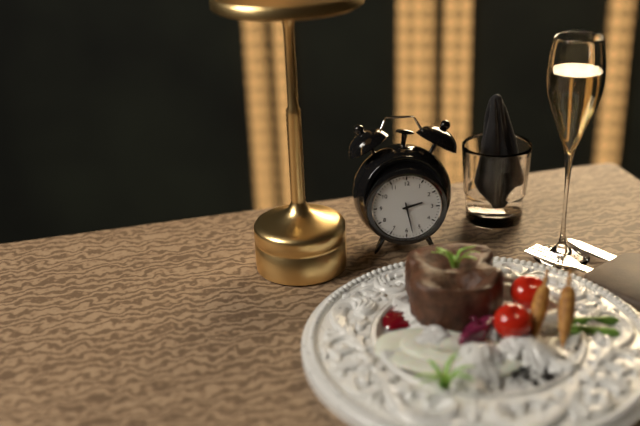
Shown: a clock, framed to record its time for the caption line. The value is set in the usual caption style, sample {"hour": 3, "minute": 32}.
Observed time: {"hour": 2, "minute": 28}
